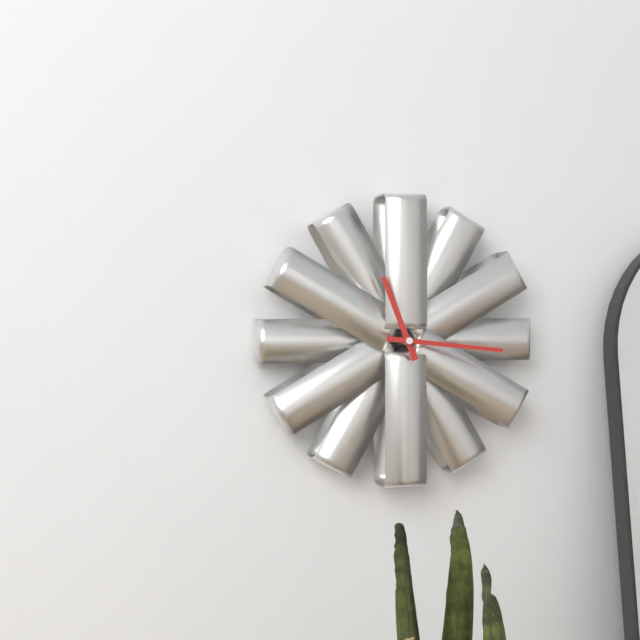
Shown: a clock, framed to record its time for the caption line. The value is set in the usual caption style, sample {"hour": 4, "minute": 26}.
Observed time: {"hour": 11, "minute": 16}
